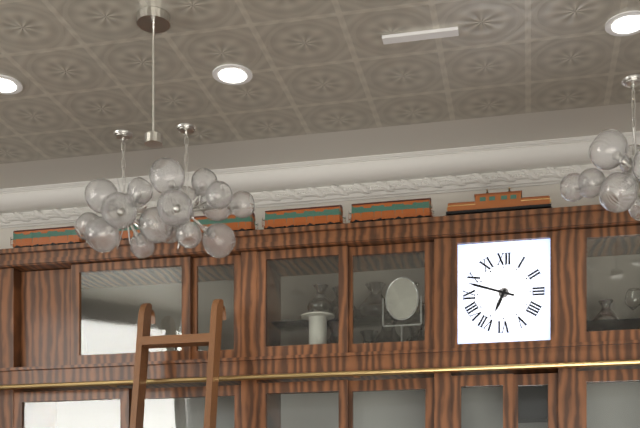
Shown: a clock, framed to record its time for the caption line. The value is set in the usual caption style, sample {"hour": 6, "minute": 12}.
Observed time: {"hour": 6, "minute": 48}
